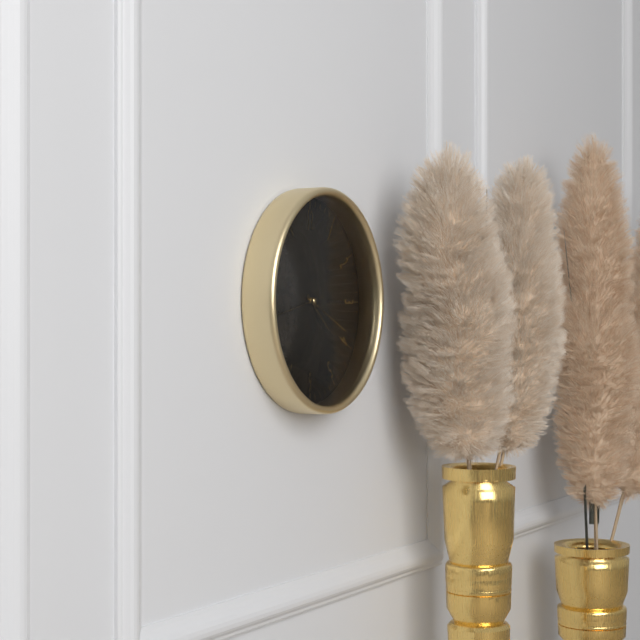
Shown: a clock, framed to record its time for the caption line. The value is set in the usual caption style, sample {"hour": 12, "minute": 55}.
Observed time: {"hour": 4, "minute": 19}
